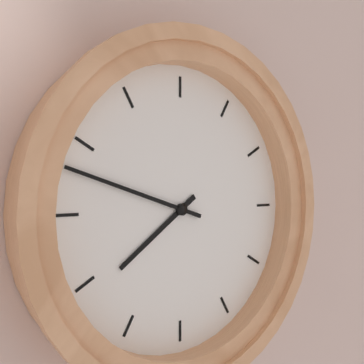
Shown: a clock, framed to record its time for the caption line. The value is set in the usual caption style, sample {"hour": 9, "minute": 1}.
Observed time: {"hour": 7, "minute": 48}
